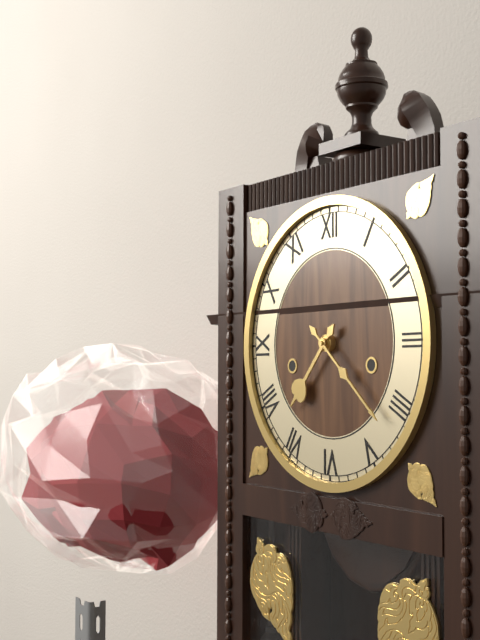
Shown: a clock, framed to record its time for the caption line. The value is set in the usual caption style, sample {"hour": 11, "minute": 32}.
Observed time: {"hour": 7, "minute": 22}
